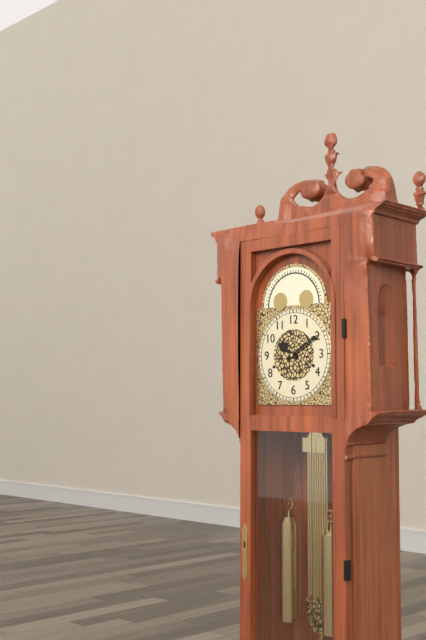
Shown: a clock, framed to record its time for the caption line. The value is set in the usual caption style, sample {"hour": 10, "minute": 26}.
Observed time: {"hour": 10, "minute": 10}
